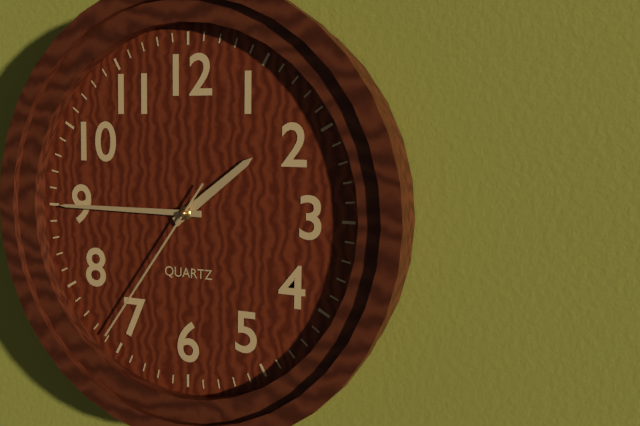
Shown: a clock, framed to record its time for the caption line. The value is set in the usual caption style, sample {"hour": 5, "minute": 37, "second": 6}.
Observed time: {"hour": 1, "minute": 45, "second": 36}
